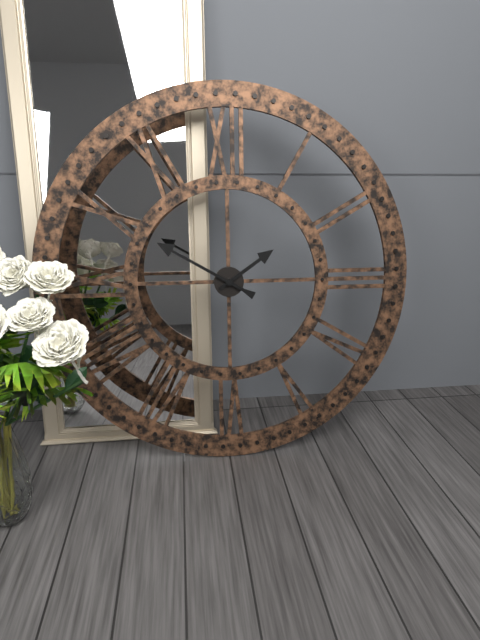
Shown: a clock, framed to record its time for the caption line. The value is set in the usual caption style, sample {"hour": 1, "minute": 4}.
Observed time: {"hour": 1, "minute": 50}
